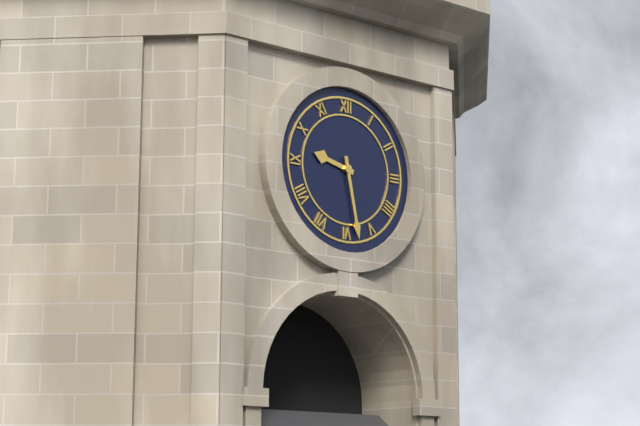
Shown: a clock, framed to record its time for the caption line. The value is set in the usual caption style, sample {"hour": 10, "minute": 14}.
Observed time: {"hour": 9, "minute": 28}
